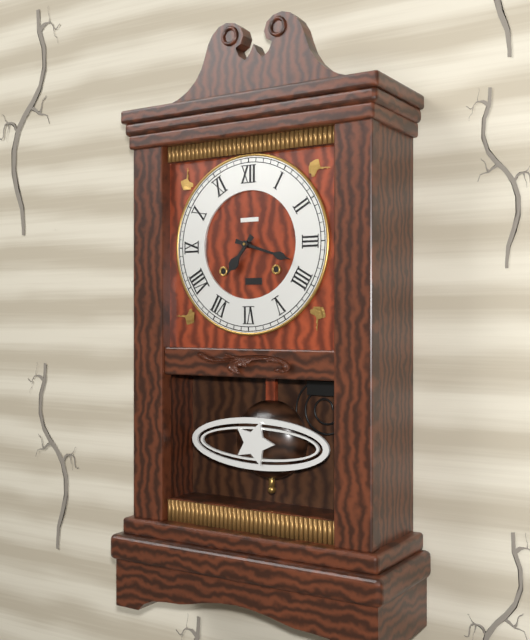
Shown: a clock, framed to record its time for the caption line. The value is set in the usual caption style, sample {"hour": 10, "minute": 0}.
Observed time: {"hour": 7, "minute": 18}
